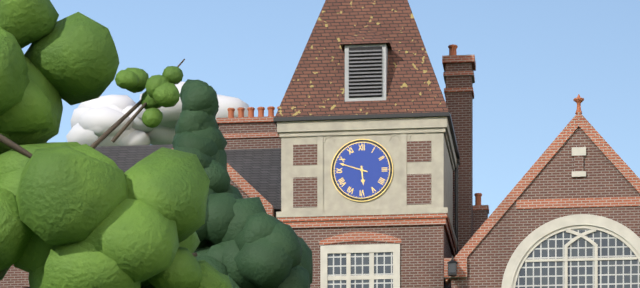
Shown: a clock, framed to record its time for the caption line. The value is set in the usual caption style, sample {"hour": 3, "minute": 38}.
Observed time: {"hour": 5, "minute": 48}
